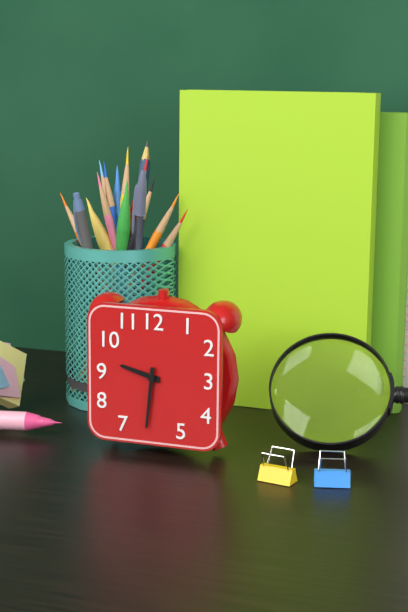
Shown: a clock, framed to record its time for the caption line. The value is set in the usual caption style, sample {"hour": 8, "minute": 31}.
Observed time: {"hour": 9, "minute": 31}
